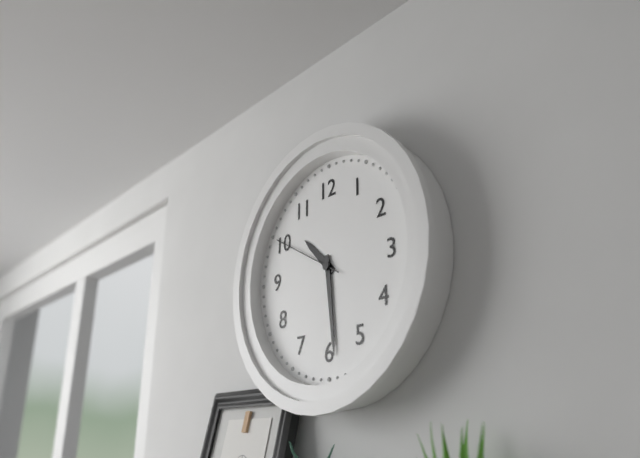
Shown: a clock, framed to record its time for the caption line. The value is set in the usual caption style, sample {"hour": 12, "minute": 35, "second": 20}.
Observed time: {"hour": 10, "minute": 29, "second": 50}
